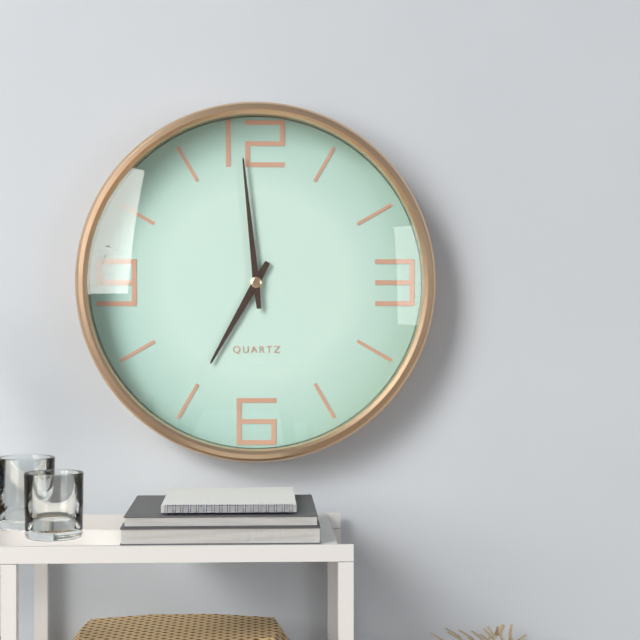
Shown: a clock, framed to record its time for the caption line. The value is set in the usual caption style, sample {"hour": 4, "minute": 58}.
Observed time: {"hour": 6, "minute": 59}
